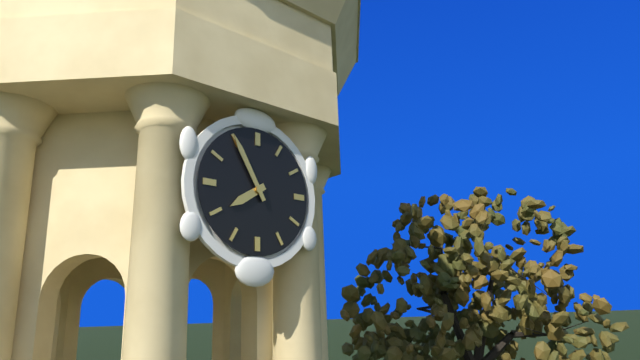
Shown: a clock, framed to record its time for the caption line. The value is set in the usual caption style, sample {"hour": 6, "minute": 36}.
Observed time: {"hour": 7, "minute": 55}
